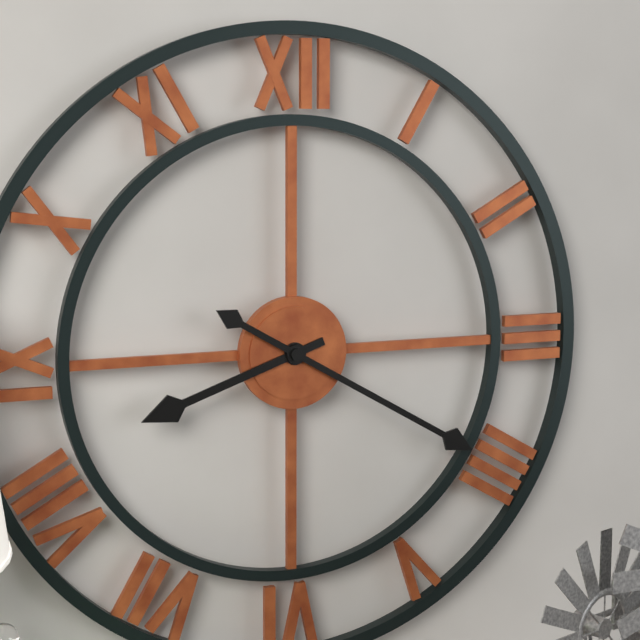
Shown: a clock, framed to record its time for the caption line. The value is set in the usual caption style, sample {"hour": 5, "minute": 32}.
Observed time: {"hour": 8, "minute": 20}
